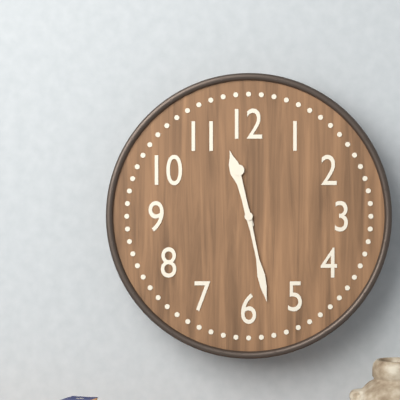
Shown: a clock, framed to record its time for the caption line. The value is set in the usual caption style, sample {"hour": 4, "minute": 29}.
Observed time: {"hour": 11, "minute": 28}
